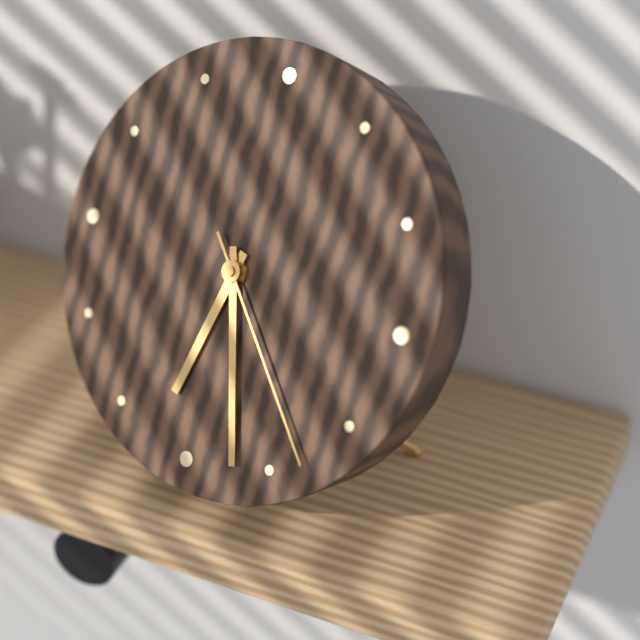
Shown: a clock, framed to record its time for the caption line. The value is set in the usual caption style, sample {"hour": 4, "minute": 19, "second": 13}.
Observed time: {"hour": 6, "minute": 27, "second": 23}
